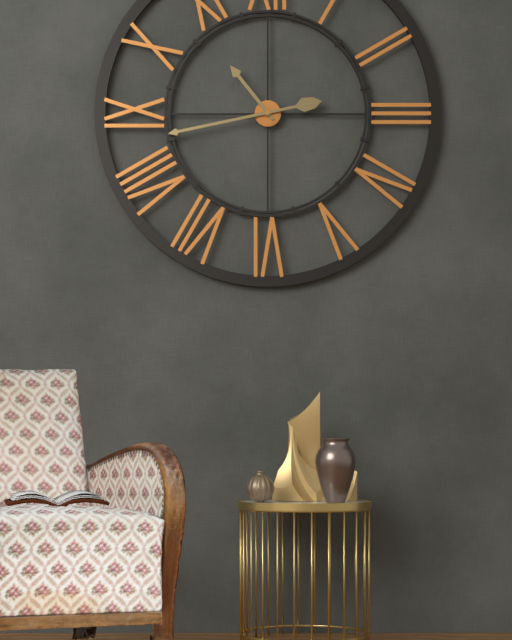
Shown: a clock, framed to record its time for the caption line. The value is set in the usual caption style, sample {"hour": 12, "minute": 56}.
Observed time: {"hour": 10, "minute": 43}
